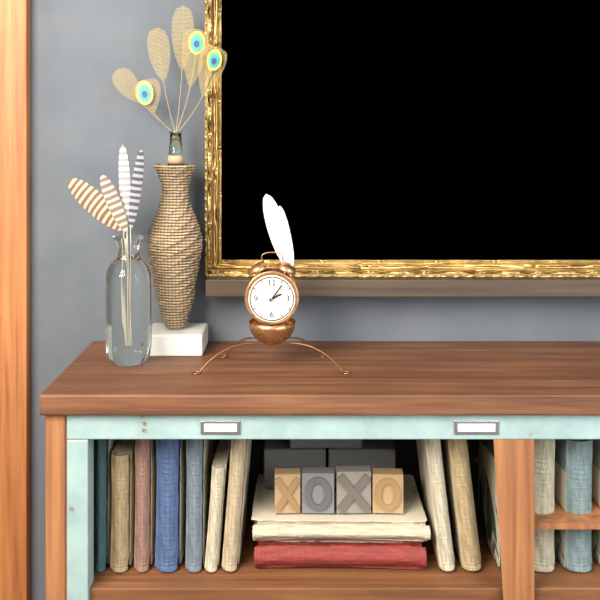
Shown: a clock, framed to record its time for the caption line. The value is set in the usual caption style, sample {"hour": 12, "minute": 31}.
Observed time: {"hour": 2, "minute": 6}
